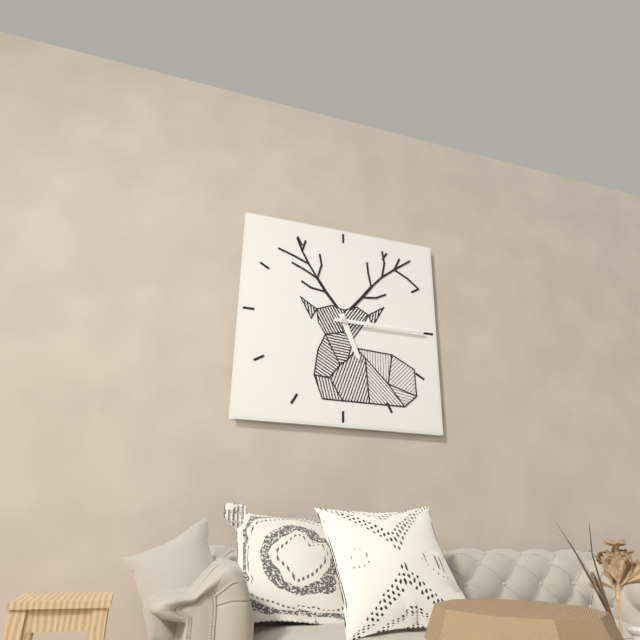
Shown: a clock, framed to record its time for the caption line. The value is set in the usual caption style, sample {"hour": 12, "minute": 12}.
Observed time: {"hour": 5, "minute": 15}
